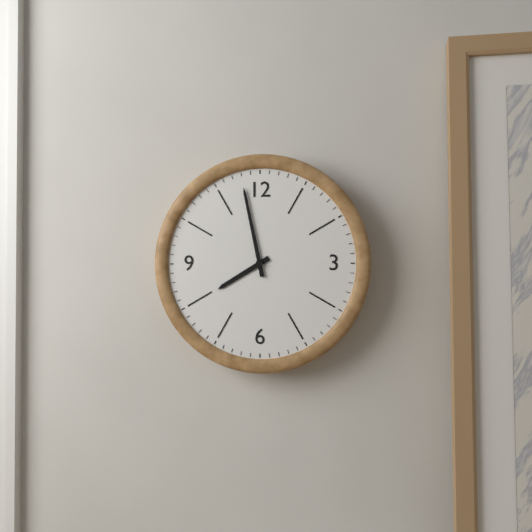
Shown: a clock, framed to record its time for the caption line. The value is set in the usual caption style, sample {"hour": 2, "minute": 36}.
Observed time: {"hour": 7, "minute": 58}
